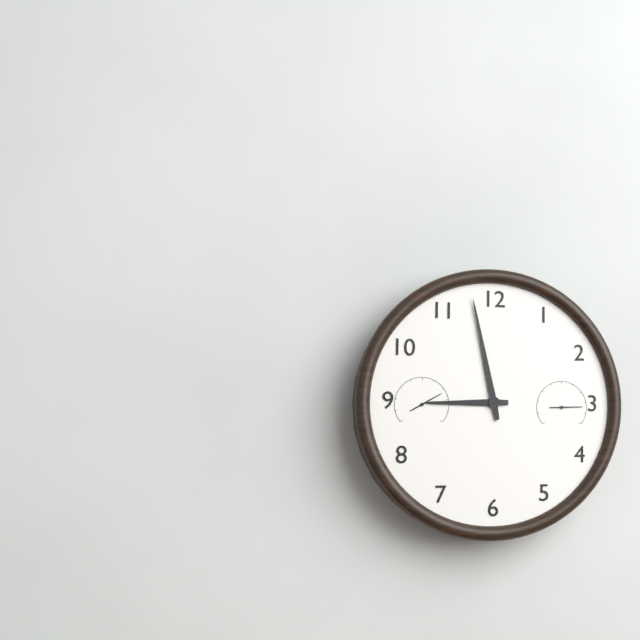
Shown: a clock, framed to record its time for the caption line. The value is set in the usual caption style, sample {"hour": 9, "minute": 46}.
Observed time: {"hour": 8, "minute": 58}
